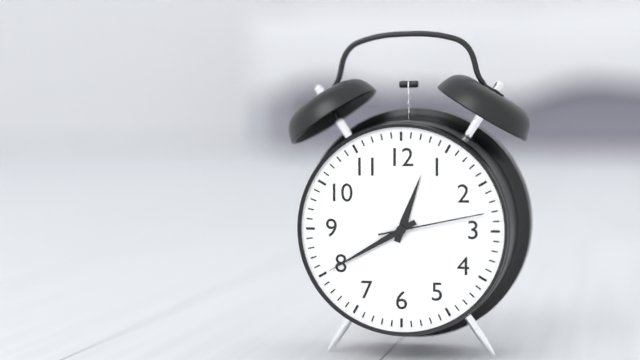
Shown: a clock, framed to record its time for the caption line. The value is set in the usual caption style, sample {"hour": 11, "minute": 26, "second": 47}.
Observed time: {"hour": 12, "minute": 40, "second": 13}
